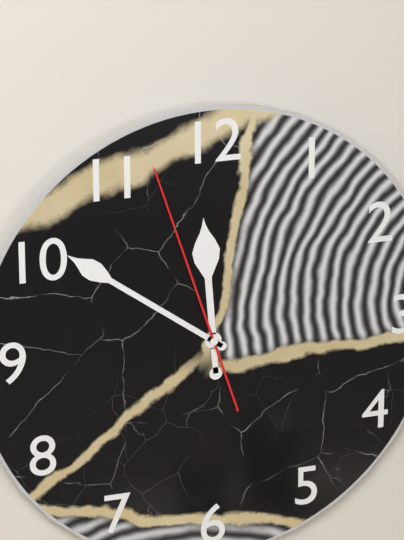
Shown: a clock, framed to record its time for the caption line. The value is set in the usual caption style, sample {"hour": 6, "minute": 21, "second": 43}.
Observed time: {"hour": 11, "minute": 51, "second": 57}
